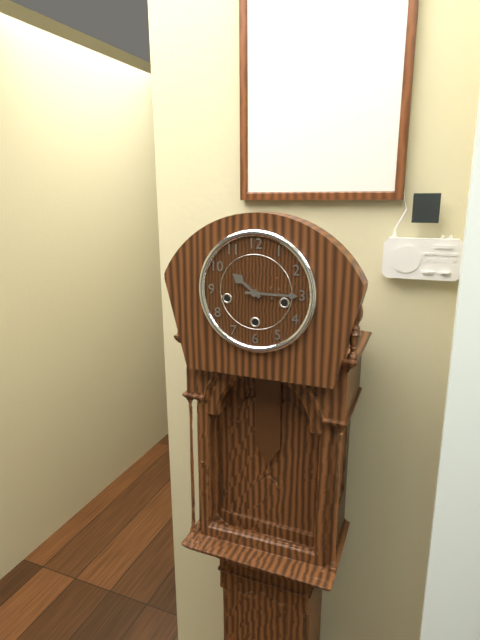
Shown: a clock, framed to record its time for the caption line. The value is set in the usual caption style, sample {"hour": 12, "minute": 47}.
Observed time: {"hour": 10, "minute": 15}
